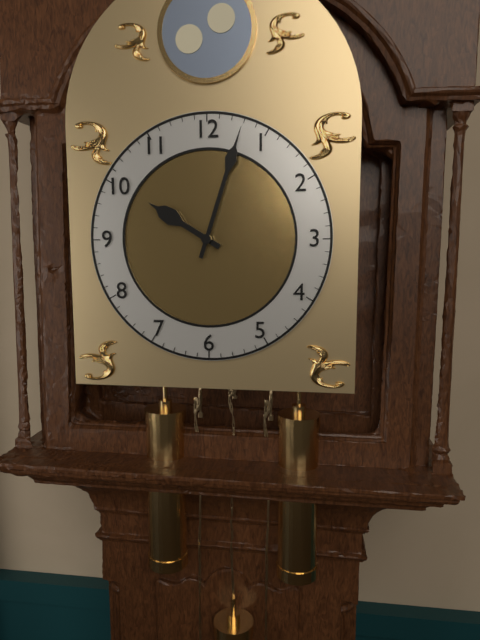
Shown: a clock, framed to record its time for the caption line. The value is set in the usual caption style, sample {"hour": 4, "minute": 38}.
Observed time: {"hour": 10, "minute": 3}
